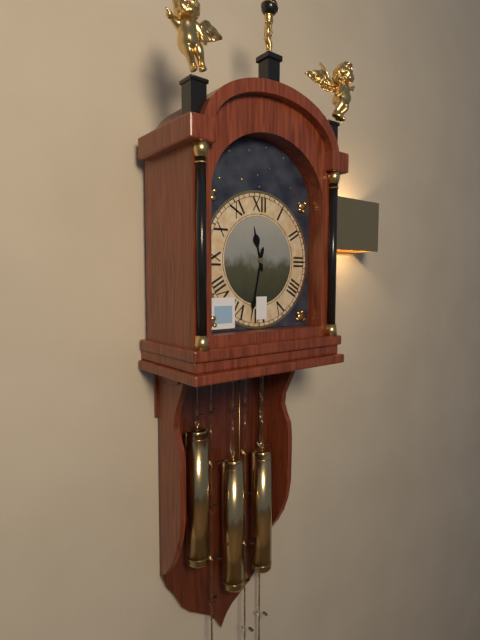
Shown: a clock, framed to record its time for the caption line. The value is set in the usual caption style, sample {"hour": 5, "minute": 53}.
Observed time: {"hour": 11, "minute": 32}
